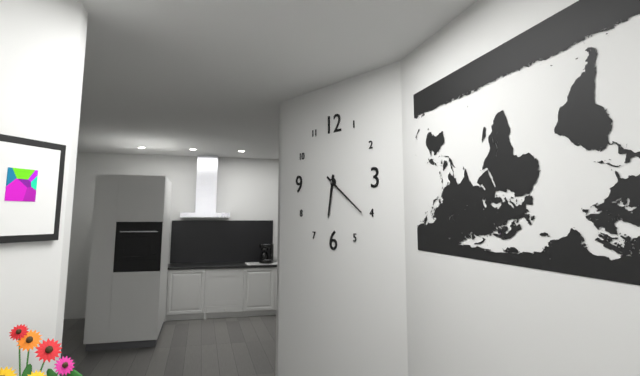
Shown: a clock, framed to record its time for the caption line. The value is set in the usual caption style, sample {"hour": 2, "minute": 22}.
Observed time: {"hour": 6, "minute": 21}
